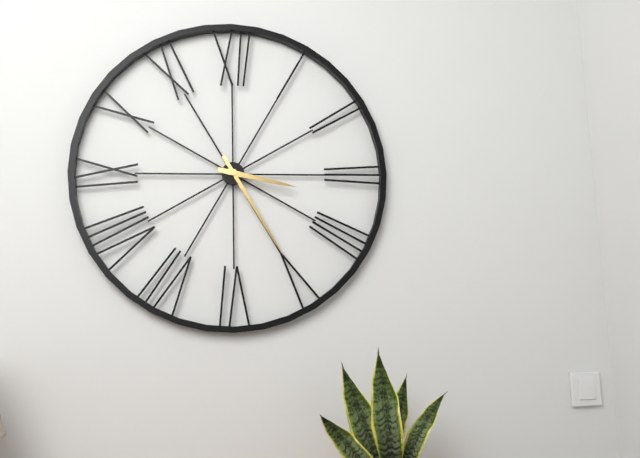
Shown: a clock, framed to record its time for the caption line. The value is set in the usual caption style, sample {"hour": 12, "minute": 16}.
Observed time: {"hour": 3, "minute": 25}
